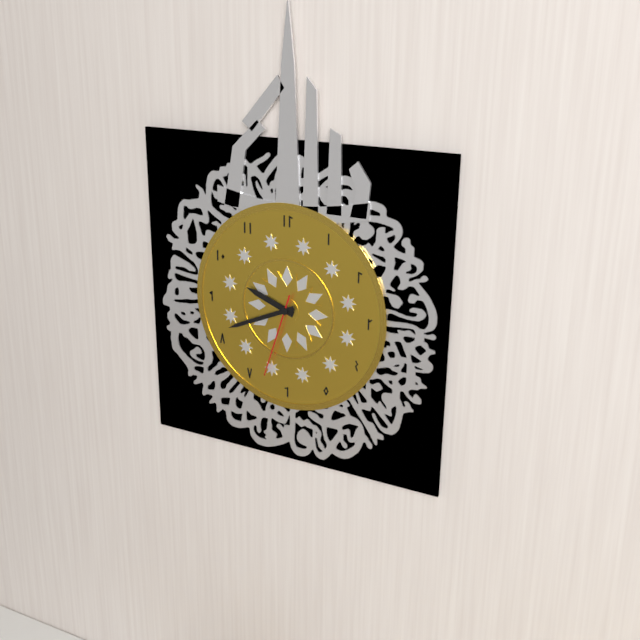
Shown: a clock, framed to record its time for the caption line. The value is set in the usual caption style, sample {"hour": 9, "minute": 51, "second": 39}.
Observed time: {"hour": 9, "minute": 41, "second": 33}
